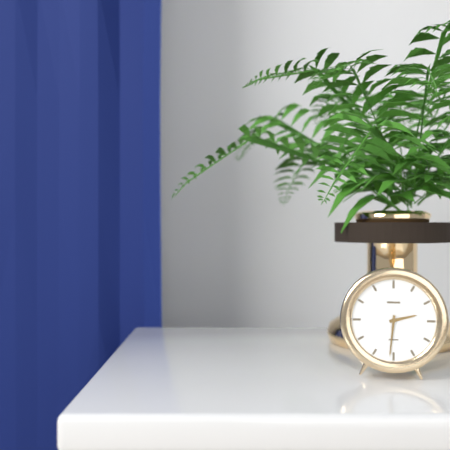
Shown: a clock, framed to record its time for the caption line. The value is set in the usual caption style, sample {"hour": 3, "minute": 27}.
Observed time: {"hour": 2, "minute": 31}
